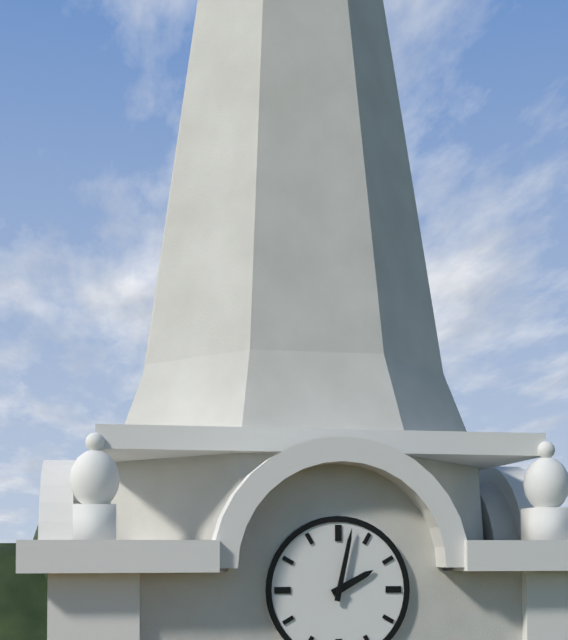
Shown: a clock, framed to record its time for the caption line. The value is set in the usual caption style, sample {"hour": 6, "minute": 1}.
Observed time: {"hour": 2, "minute": 2}
